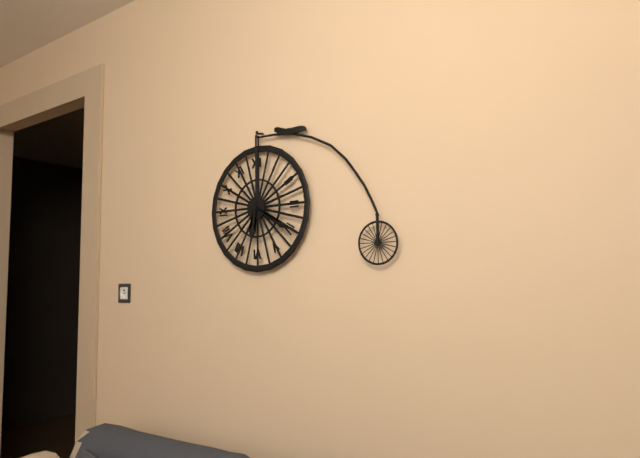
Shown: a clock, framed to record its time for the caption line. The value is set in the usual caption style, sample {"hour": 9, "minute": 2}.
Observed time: {"hour": 6, "minute": 20}
